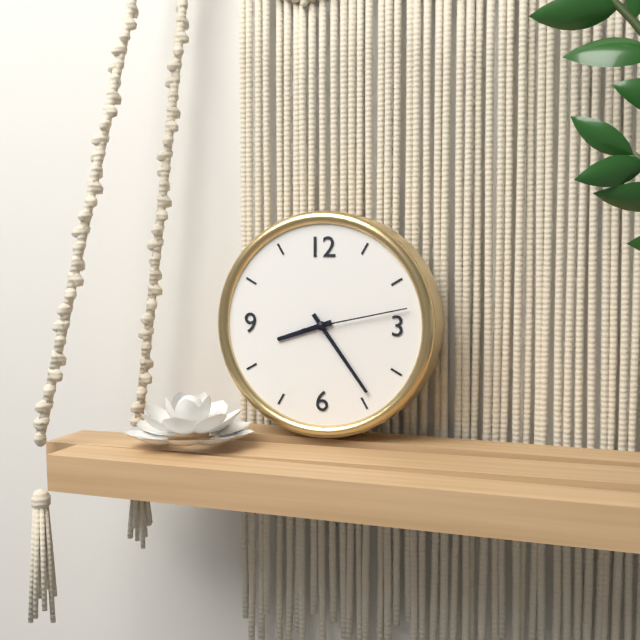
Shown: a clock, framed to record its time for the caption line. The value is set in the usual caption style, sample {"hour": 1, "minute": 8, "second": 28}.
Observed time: {"hour": 8, "minute": 24, "second": 13}
